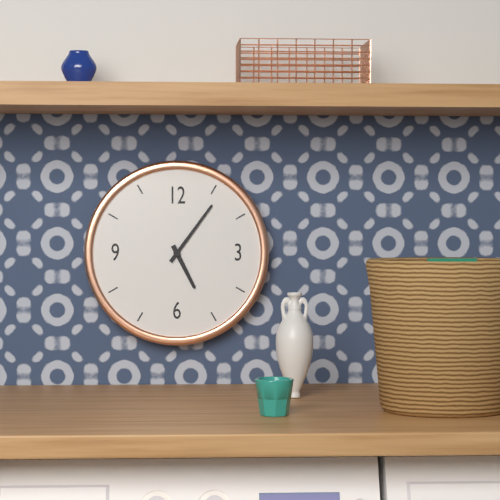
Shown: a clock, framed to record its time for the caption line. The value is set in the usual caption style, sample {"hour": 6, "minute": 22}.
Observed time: {"hour": 5, "minute": 6}
